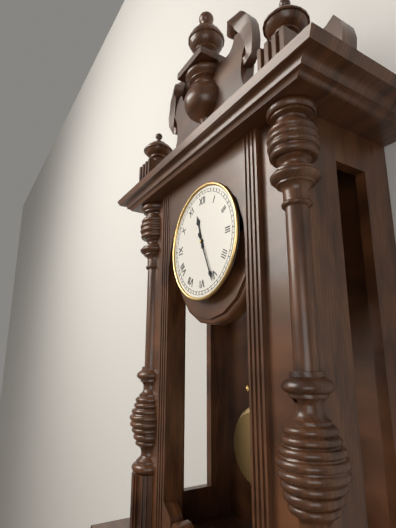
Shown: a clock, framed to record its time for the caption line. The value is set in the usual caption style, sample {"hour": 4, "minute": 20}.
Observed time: {"hour": 11, "minute": 26}
